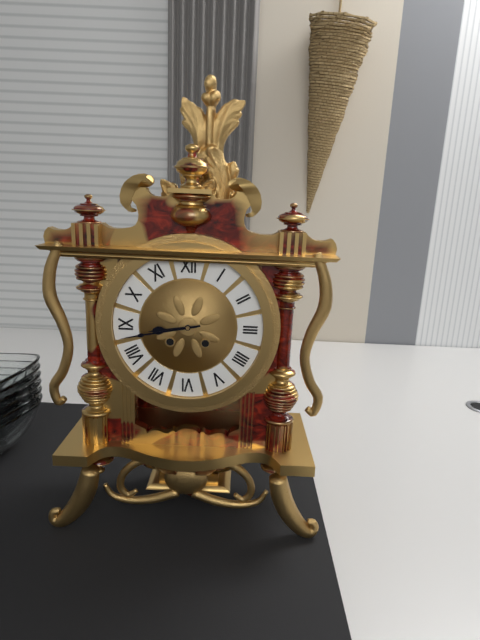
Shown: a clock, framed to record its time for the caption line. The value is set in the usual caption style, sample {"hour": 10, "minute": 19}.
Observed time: {"hour": 8, "minute": 43}
